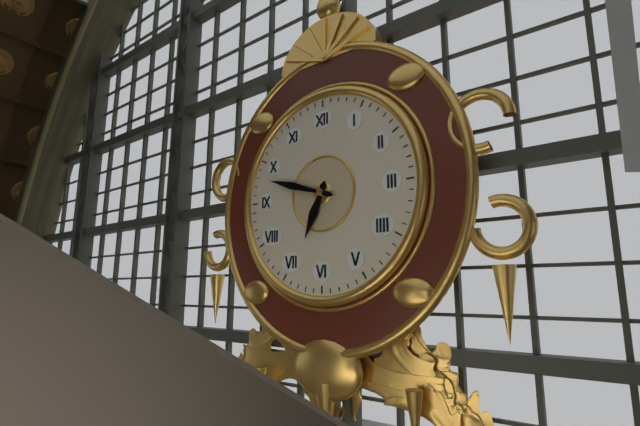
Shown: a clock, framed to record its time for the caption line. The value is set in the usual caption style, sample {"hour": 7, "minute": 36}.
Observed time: {"hour": 6, "minute": 48}
